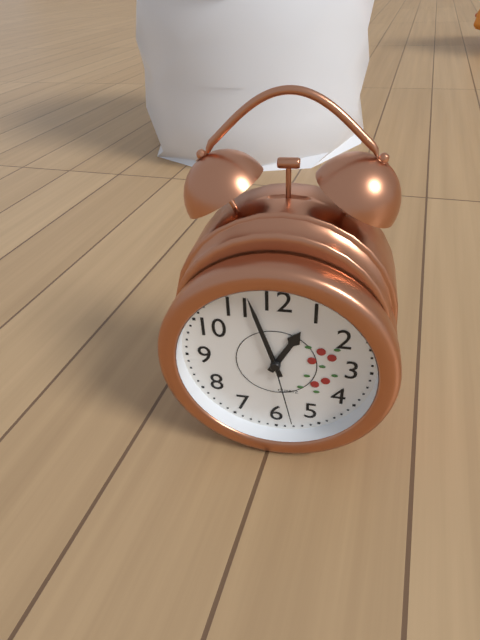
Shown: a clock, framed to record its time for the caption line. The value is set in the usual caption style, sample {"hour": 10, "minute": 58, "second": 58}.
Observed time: {"hour": 12, "minute": 57, "second": 28}
